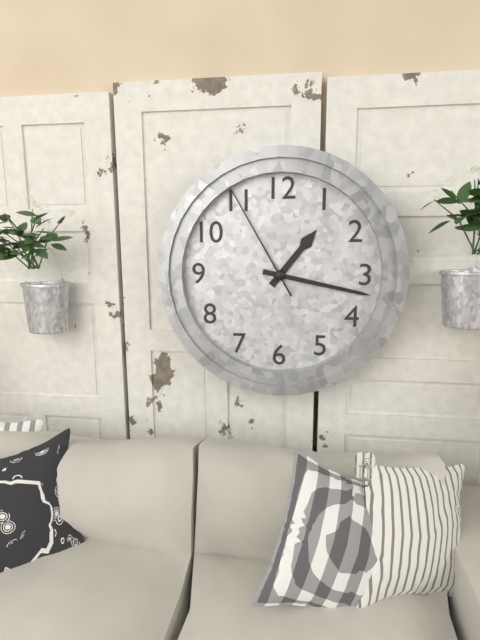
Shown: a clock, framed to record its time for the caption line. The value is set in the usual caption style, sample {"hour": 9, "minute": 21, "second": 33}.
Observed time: {"hour": 1, "minute": 17, "second": 55}
